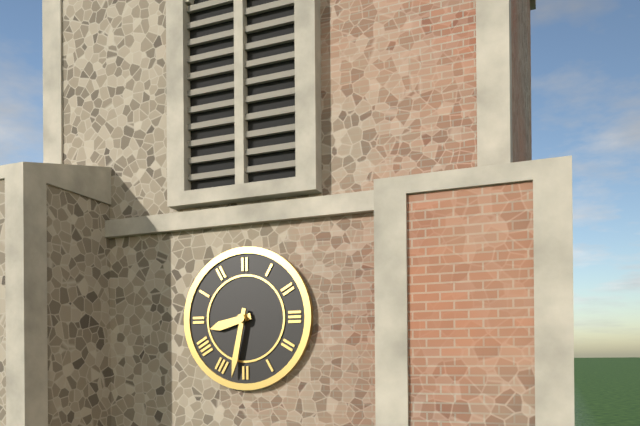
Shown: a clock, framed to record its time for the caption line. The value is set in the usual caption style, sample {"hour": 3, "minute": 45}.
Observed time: {"hour": 8, "minute": 32}
